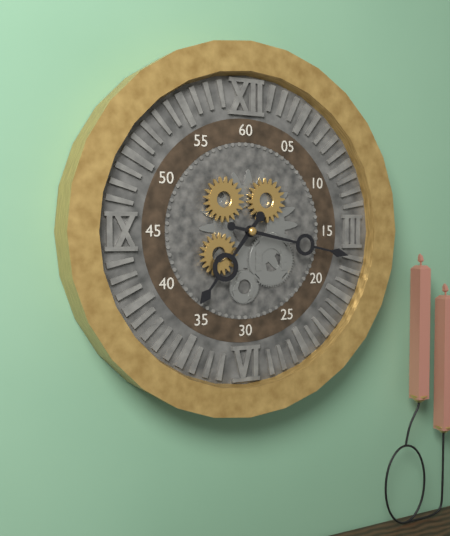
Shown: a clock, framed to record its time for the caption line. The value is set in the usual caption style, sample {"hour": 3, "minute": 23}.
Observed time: {"hour": 7, "minute": 17}
